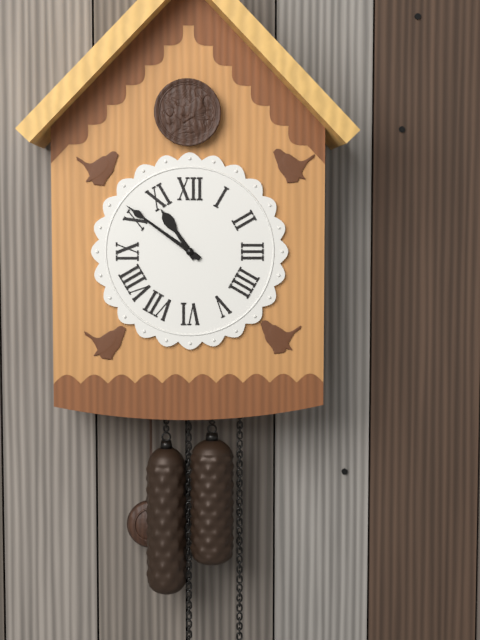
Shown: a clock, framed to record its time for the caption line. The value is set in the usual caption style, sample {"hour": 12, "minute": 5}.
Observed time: {"hour": 10, "minute": 51}
